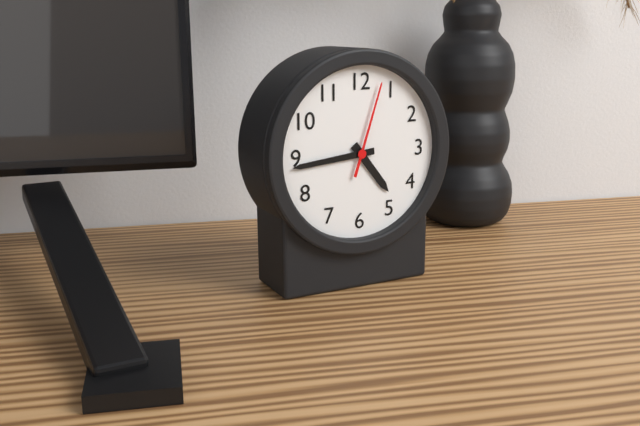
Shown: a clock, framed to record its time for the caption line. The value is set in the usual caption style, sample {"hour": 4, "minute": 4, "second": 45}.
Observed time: {"hour": 4, "minute": 44, "second": 3}
